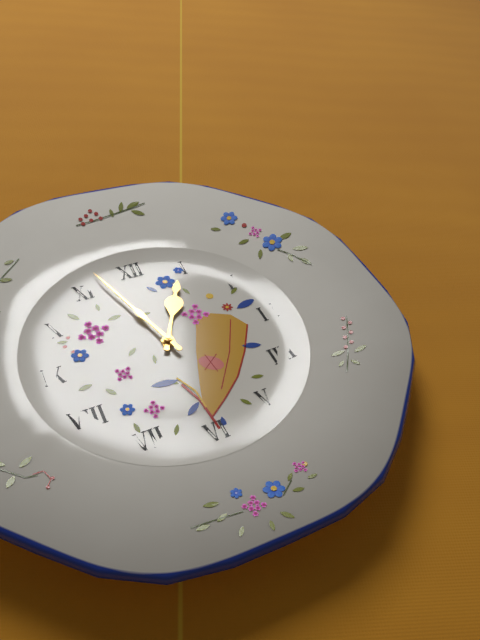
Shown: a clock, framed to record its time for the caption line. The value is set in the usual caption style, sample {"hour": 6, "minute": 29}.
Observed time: {"hour": 12, "minute": 57}
